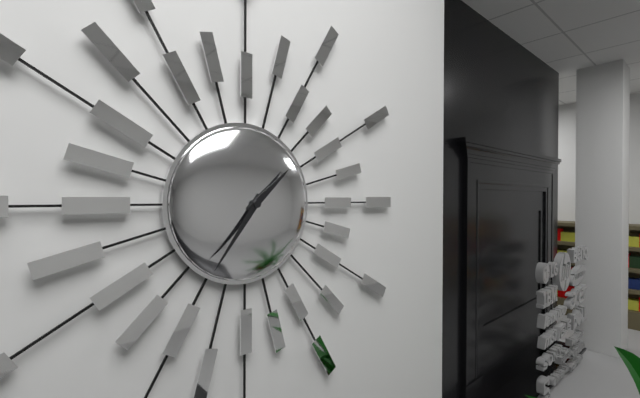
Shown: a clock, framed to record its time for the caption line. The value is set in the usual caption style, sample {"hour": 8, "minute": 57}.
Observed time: {"hour": 1, "minute": 36}
